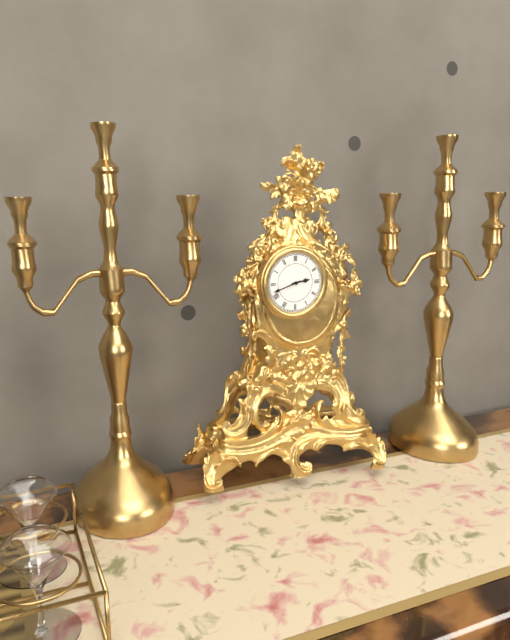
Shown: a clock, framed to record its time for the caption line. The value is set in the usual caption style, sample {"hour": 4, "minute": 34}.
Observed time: {"hour": 2, "minute": 42}
